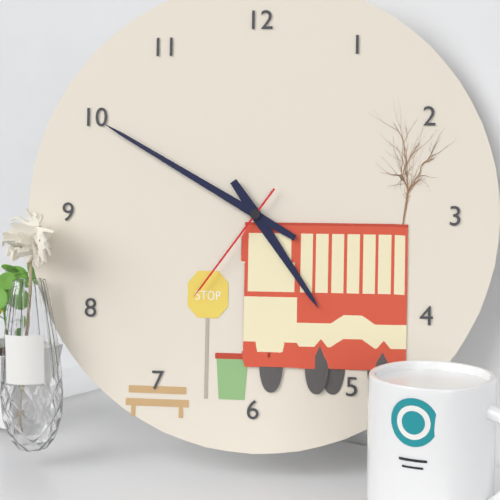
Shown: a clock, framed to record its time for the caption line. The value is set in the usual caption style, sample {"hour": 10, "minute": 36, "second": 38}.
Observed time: {"hour": 4, "minute": 50, "second": 36}
